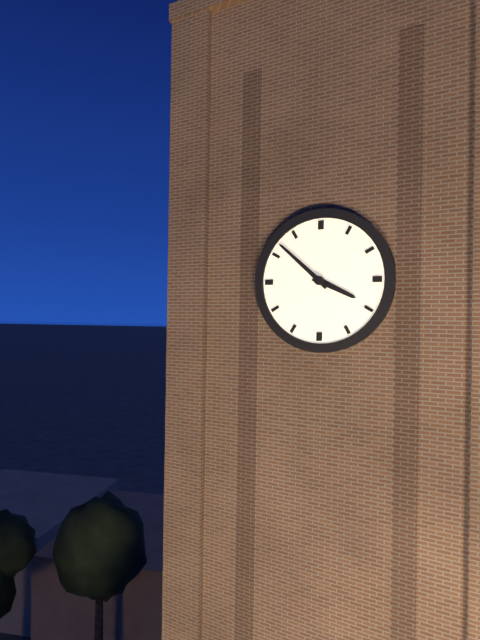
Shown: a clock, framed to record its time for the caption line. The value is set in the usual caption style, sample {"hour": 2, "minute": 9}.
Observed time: {"hour": 3, "minute": 52}
